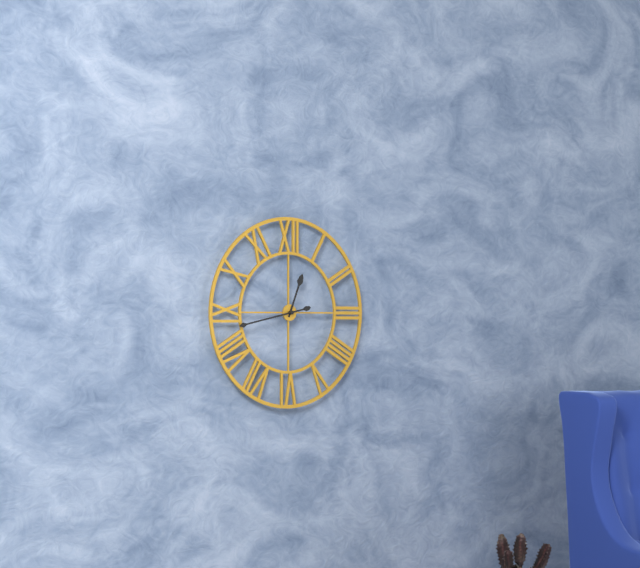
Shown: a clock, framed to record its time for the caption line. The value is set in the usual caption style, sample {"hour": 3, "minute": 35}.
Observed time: {"hour": 12, "minute": 43}
